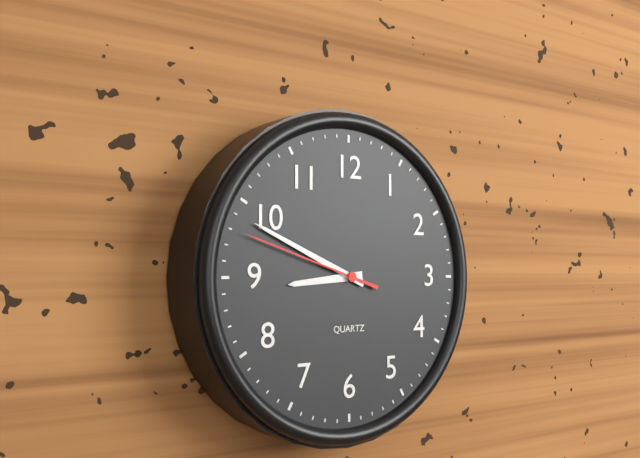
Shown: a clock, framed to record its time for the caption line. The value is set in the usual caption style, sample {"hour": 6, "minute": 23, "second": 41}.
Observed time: {"hour": 8, "minute": 49, "second": 48}
